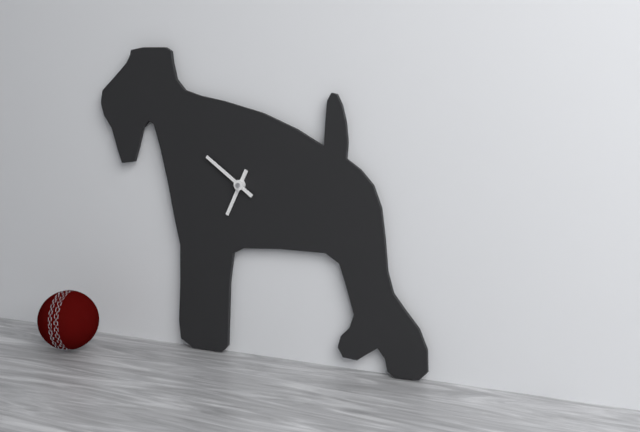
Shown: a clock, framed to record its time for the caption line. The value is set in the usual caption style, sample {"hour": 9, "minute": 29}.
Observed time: {"hour": 6, "minute": 51}
